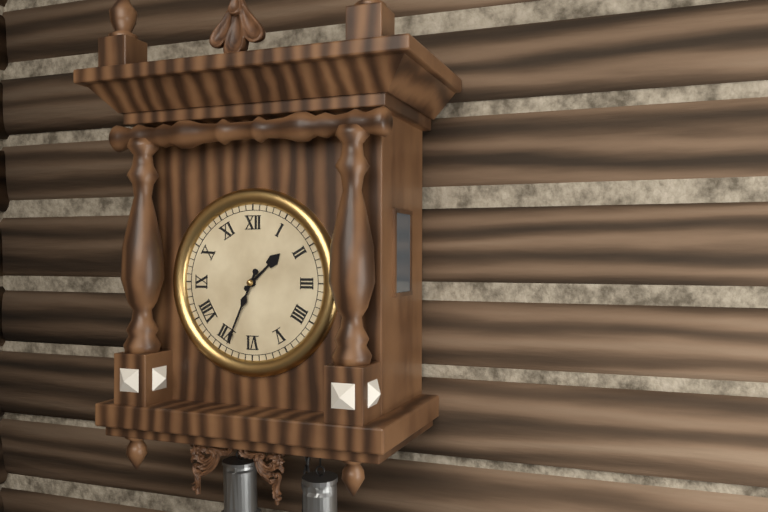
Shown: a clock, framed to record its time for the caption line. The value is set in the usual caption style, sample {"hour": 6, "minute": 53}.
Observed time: {"hour": 1, "minute": 34}
